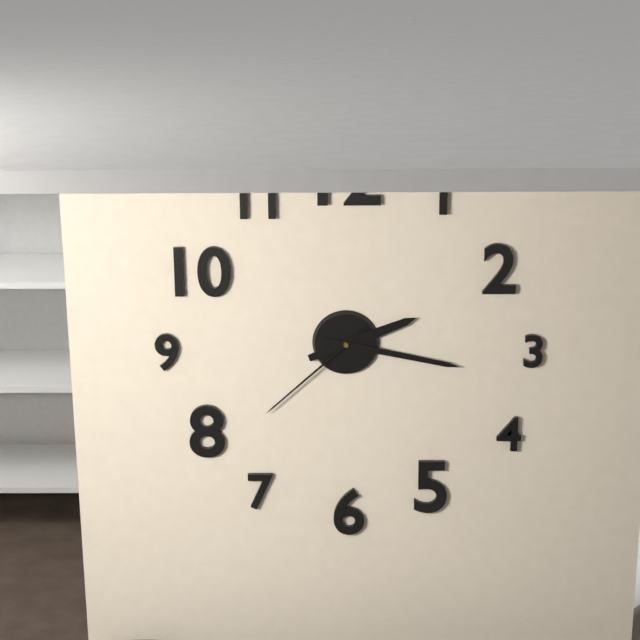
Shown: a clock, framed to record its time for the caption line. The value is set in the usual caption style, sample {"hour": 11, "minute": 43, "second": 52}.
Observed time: {"hour": 2, "minute": 17, "second": 38}
